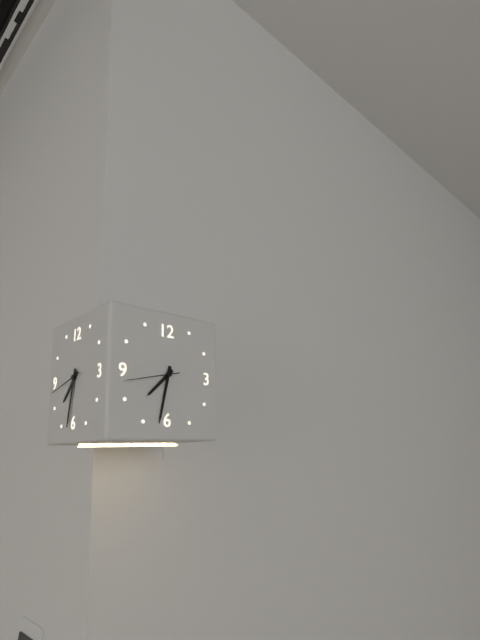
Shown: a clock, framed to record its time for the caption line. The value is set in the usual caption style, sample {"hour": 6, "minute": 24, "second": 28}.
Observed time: {"hour": 7, "minute": 32, "second": 43}
